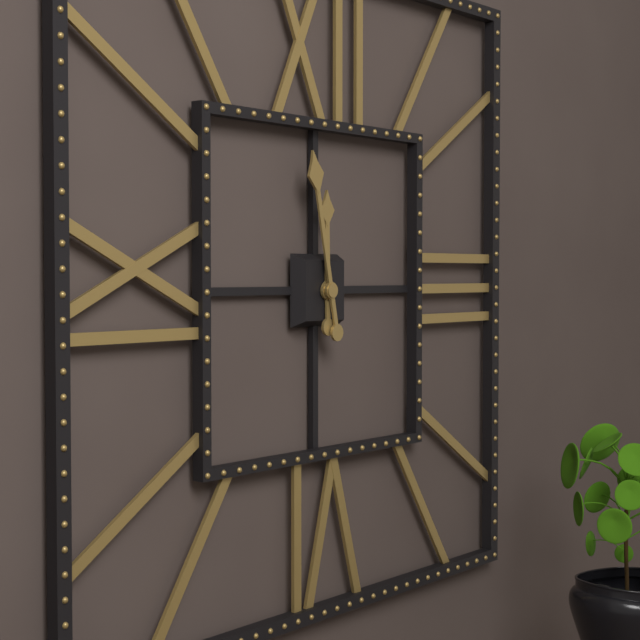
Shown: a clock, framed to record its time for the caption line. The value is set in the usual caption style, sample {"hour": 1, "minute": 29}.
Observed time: {"hour": 11, "minute": 58}
